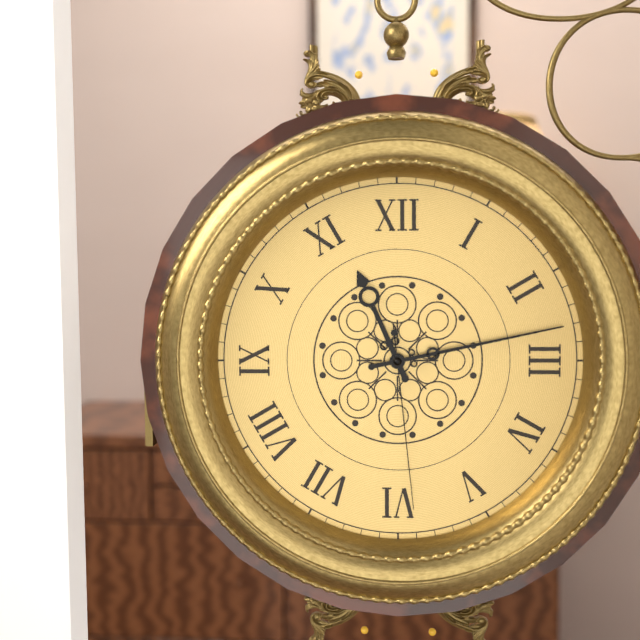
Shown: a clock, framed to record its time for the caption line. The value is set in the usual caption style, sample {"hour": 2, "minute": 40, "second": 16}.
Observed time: {"hour": 11, "minute": 13, "second": 29}
